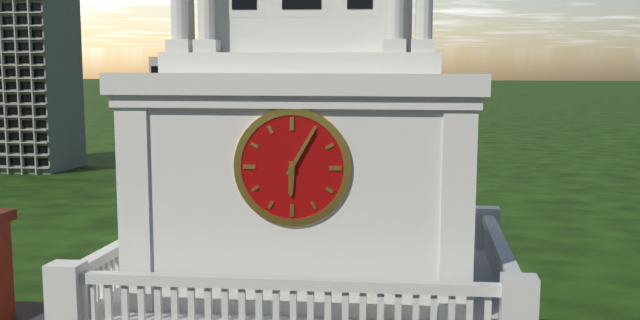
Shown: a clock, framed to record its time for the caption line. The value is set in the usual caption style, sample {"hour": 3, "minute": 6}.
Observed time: {"hour": 6, "minute": 5}
